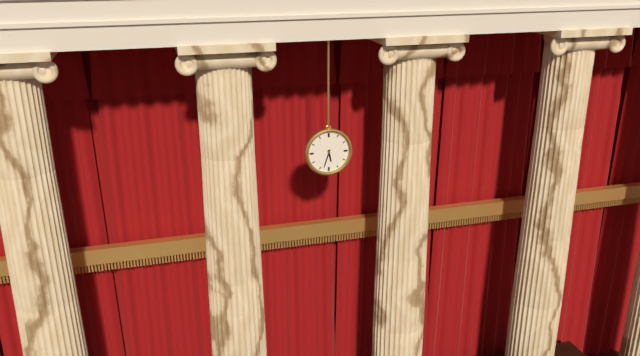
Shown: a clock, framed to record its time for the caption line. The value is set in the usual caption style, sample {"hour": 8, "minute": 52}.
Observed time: {"hour": 5, "minute": 33}
